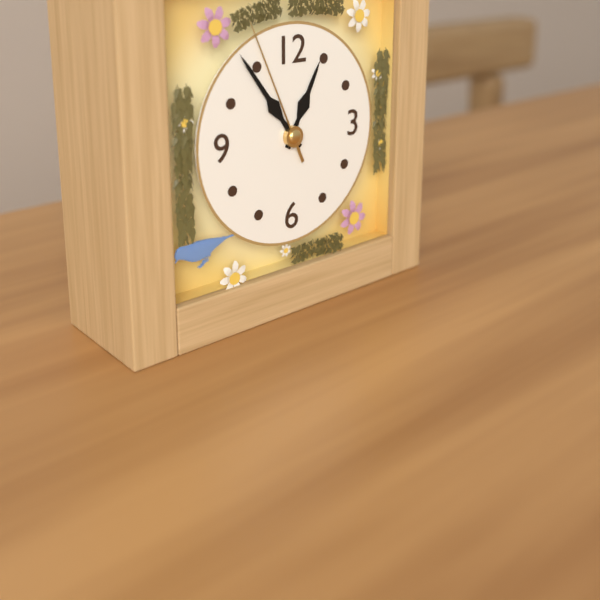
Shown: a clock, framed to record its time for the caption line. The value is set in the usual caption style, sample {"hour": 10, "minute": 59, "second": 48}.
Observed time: {"hour": 12, "minute": 54, "second": 56}
